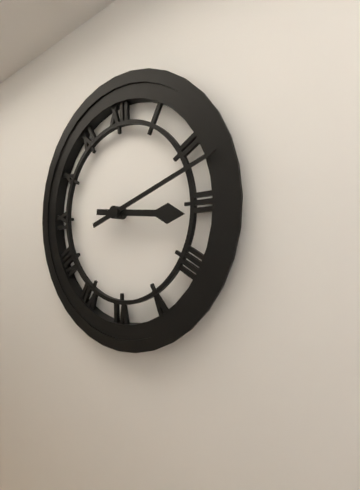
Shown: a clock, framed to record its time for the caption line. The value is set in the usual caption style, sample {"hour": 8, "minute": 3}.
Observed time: {"hour": 3, "minute": 12}
